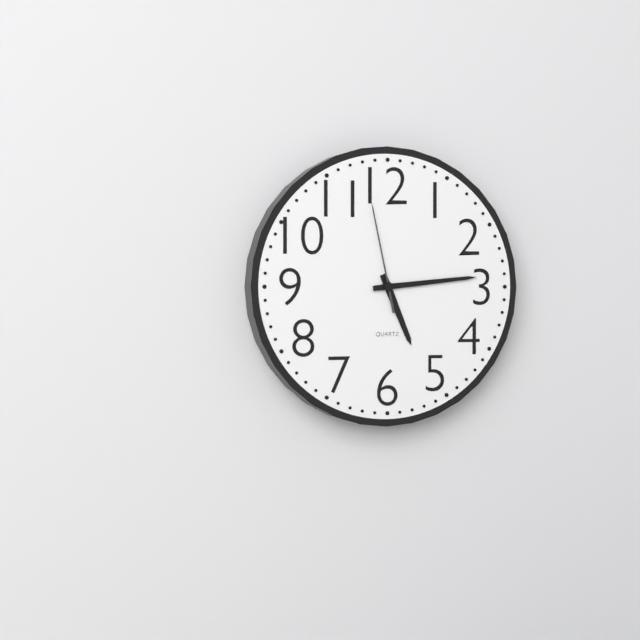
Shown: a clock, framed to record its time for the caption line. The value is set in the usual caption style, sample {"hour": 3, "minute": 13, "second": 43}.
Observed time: {"hour": 5, "minute": 14, "second": 58}
